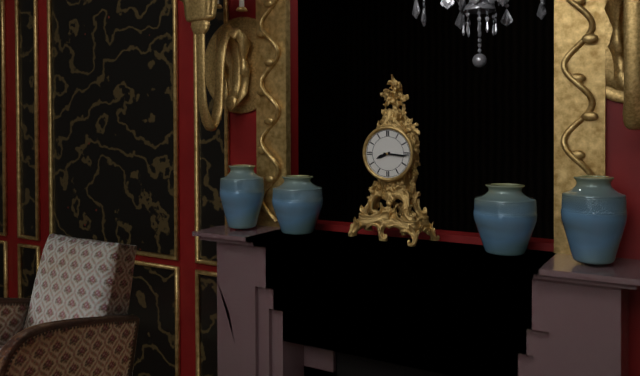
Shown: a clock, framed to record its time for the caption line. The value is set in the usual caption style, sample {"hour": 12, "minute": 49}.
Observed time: {"hour": 8, "minute": 16}
